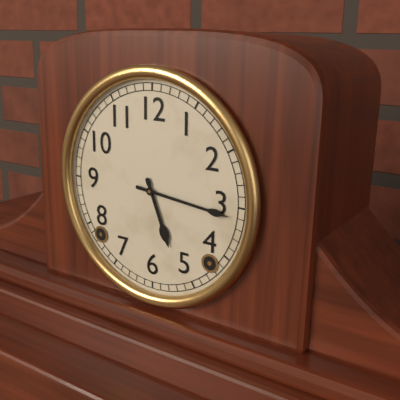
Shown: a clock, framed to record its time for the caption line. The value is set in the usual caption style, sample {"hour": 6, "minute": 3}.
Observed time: {"hour": 5, "minute": 16}
